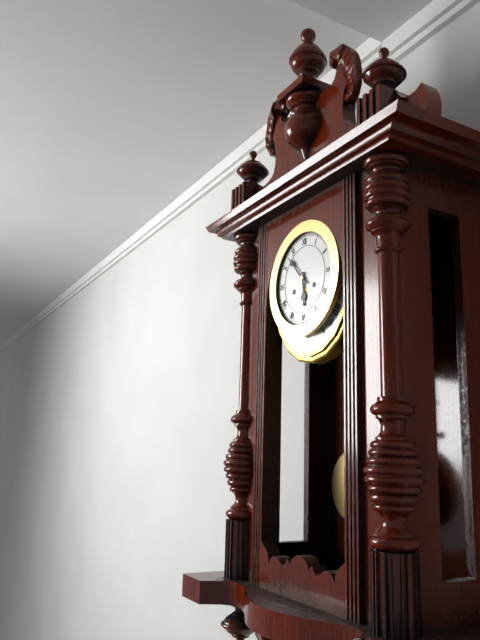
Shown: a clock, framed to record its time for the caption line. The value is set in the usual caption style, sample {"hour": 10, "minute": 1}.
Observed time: {"hour": 5, "minute": 53}
